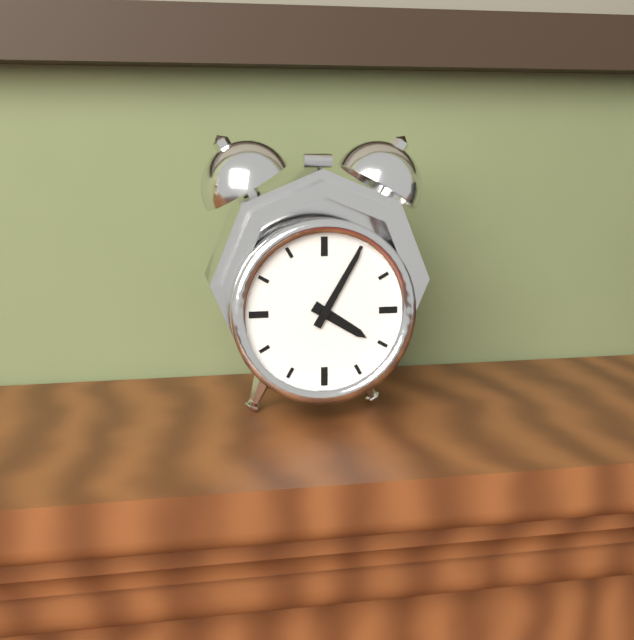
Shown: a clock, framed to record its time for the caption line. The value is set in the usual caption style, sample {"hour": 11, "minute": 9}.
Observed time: {"hour": 4, "minute": 5}
